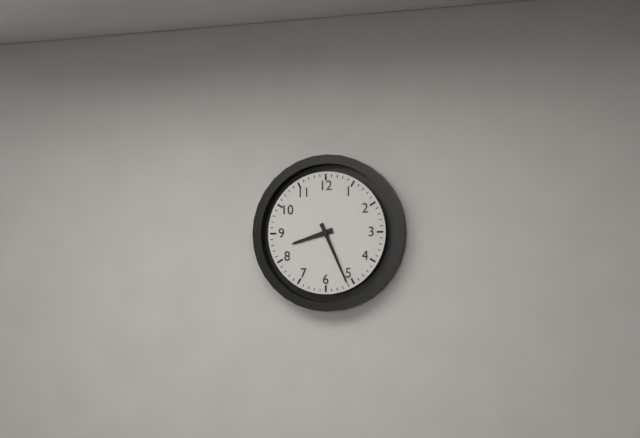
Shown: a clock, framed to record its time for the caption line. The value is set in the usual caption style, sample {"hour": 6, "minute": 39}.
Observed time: {"hour": 8, "minute": 26}
